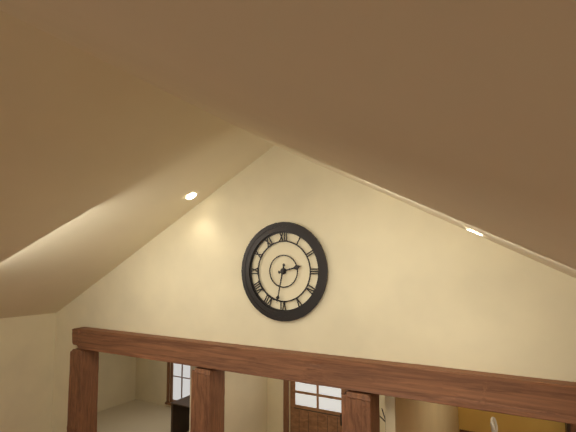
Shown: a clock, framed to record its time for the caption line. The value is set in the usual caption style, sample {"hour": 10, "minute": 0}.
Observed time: {"hour": 2, "minute": 32}
